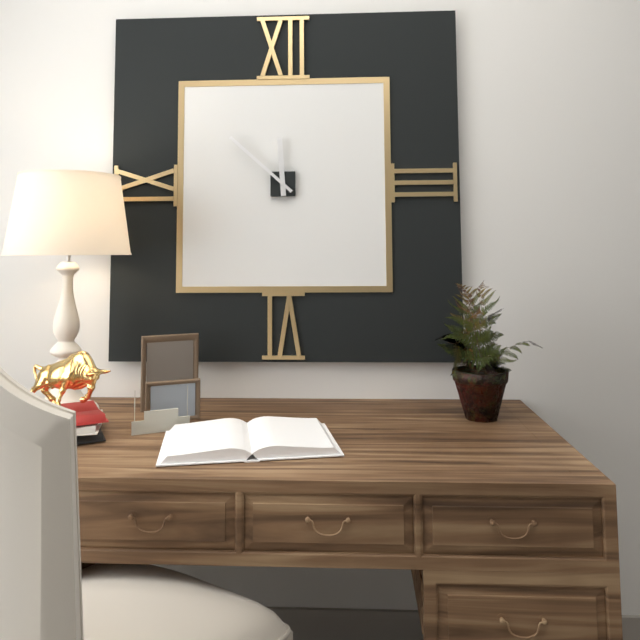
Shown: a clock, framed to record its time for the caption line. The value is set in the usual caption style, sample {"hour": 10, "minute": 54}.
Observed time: {"hour": 11, "minute": 52}
